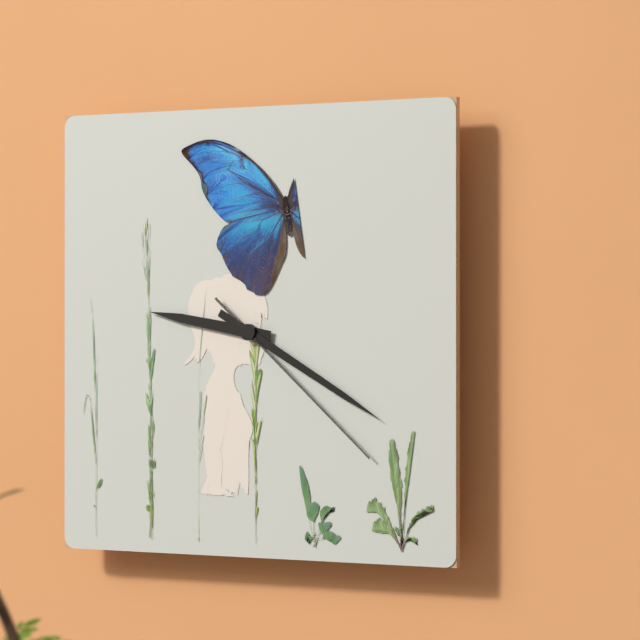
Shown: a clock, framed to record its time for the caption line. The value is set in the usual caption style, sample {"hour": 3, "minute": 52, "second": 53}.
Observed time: {"hour": 9, "minute": 20, "second": 22}
